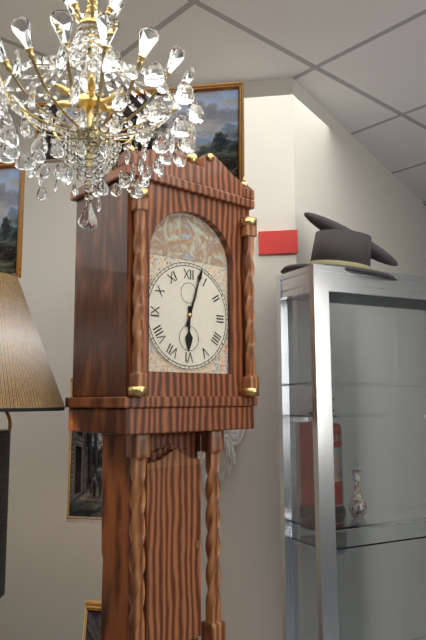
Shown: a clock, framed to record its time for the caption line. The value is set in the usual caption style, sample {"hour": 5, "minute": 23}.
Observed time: {"hour": 6, "minute": 3}
